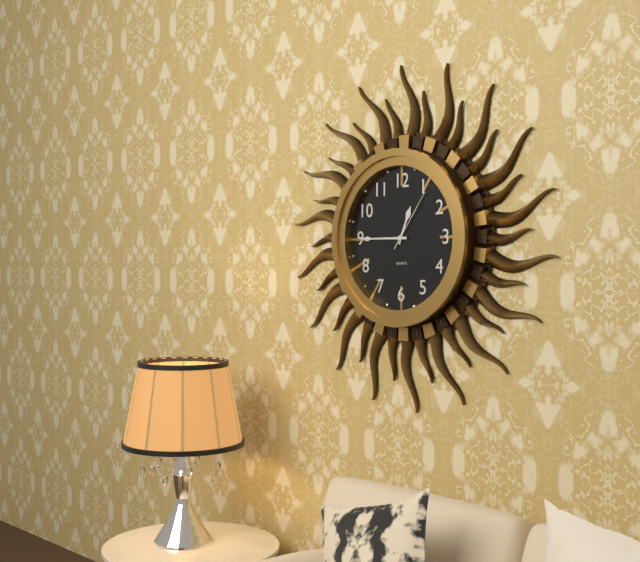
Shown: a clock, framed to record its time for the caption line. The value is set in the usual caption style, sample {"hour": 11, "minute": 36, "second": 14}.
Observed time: {"hour": 12, "minute": 45, "second": 6}
